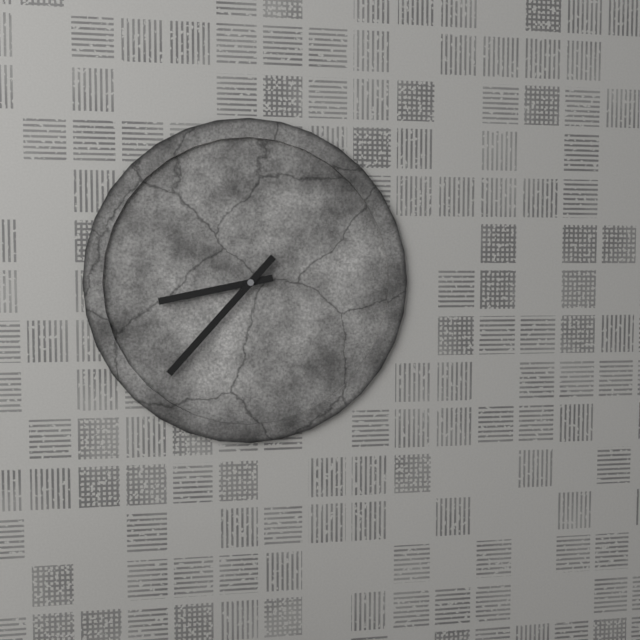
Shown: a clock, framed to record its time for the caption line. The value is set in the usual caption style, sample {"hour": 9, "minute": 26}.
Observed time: {"hour": 8, "minute": 37}
